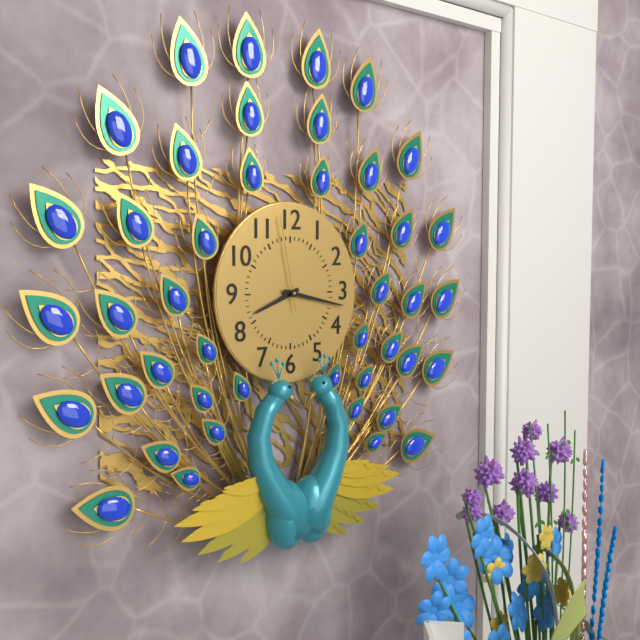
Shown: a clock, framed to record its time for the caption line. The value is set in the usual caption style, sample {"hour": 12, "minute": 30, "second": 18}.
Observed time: {"hour": 8, "minute": 17, "second": 58}
